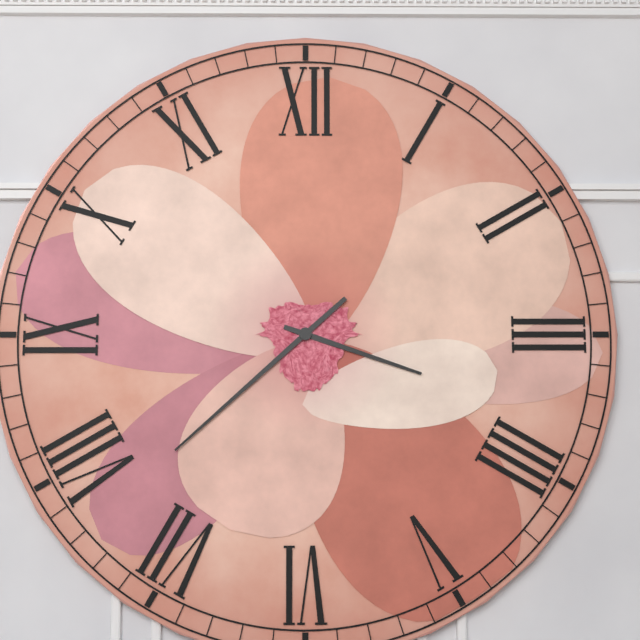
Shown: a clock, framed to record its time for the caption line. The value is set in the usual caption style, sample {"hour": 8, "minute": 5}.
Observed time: {"hour": 3, "minute": 38}
